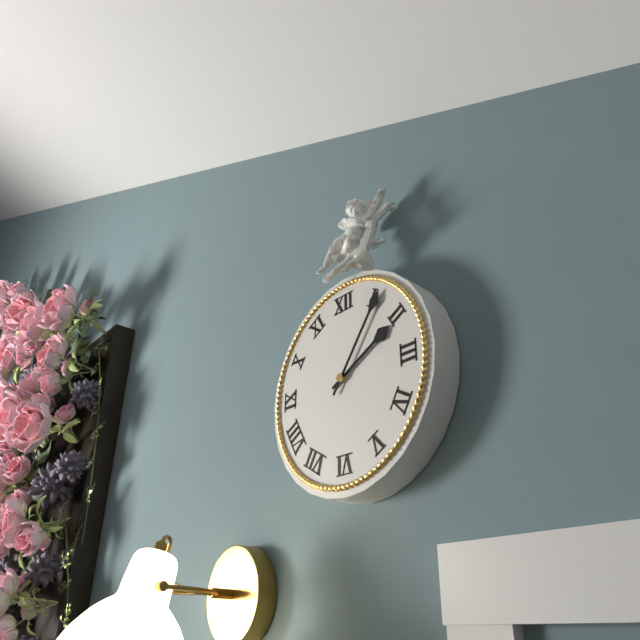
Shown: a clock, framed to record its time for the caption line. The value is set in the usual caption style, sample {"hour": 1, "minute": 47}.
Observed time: {"hour": 2, "minute": 6}
